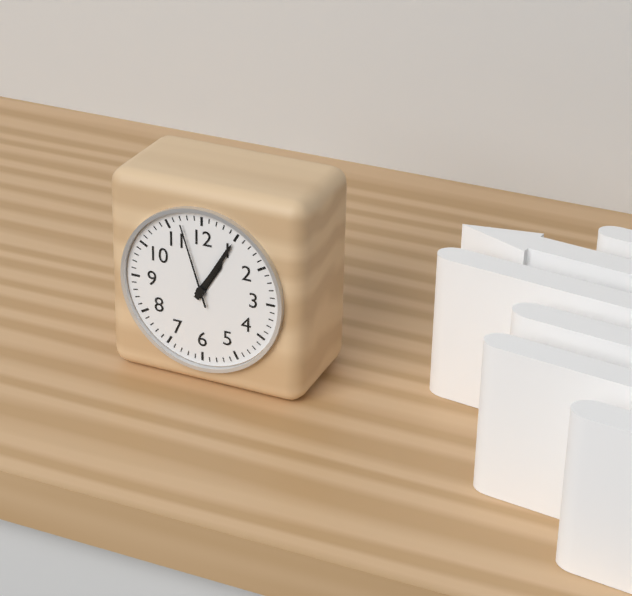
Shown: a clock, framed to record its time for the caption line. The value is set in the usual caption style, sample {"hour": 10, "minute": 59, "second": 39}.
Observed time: {"hour": 1, "minute": 5, "second": 57}
